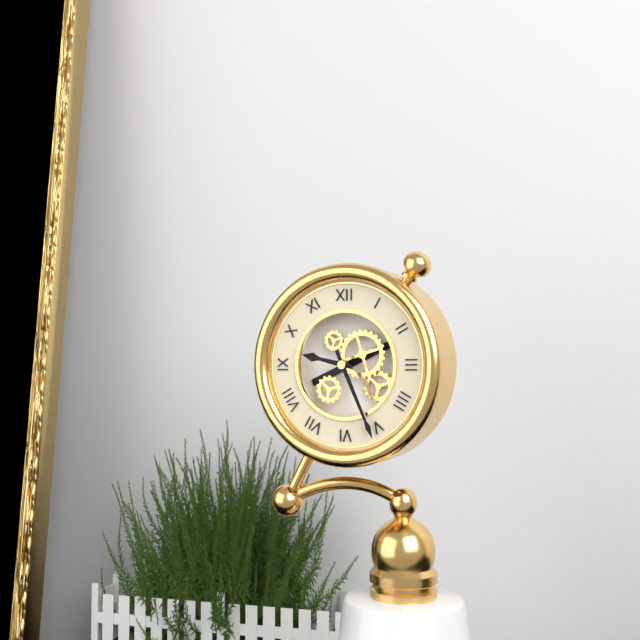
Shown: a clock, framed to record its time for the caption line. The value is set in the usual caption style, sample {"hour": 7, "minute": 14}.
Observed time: {"hour": 9, "minute": 26}
